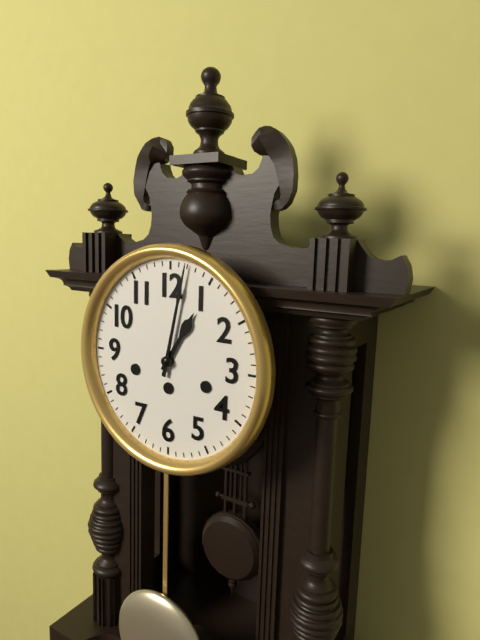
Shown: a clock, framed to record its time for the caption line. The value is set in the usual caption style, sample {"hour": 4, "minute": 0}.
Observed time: {"hour": 1, "minute": 2}
